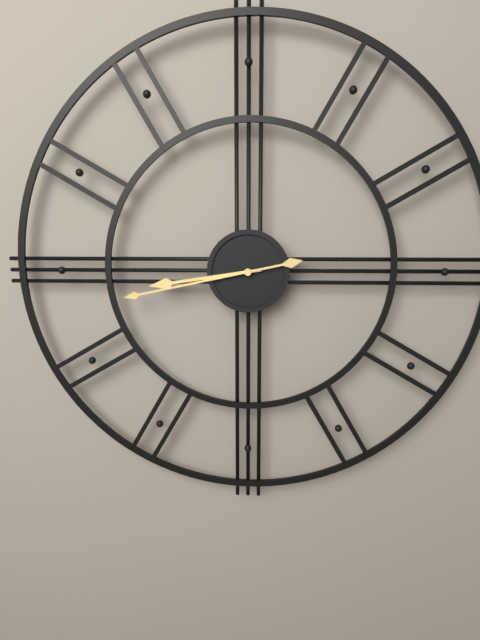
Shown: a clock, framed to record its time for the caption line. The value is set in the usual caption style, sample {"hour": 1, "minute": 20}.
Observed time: {"hour": 8, "minute": 43}
